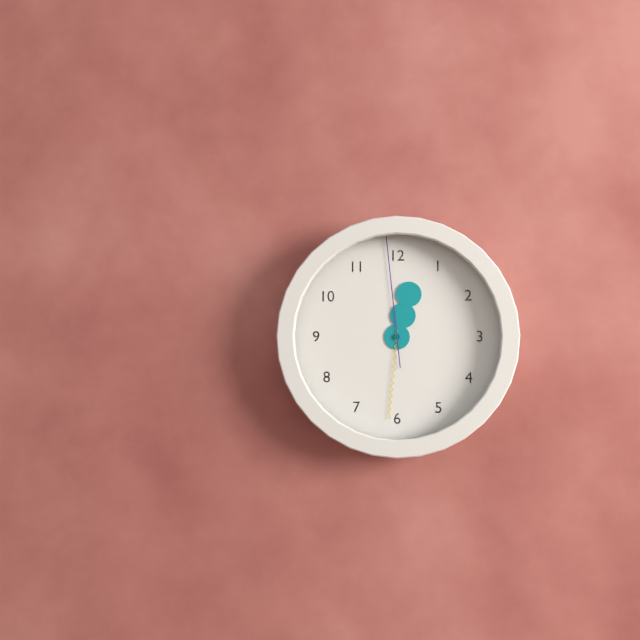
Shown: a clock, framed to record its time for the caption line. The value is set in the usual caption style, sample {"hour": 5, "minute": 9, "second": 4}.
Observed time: {"hour": 12, "minute": 31, "second": 59}
